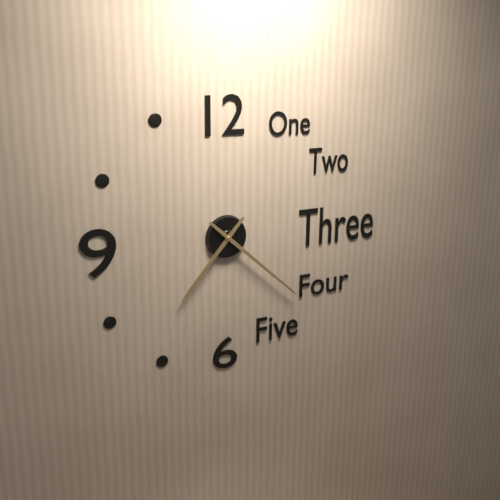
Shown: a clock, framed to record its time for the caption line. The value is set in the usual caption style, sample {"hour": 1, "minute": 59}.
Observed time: {"hour": 7, "minute": 22}
